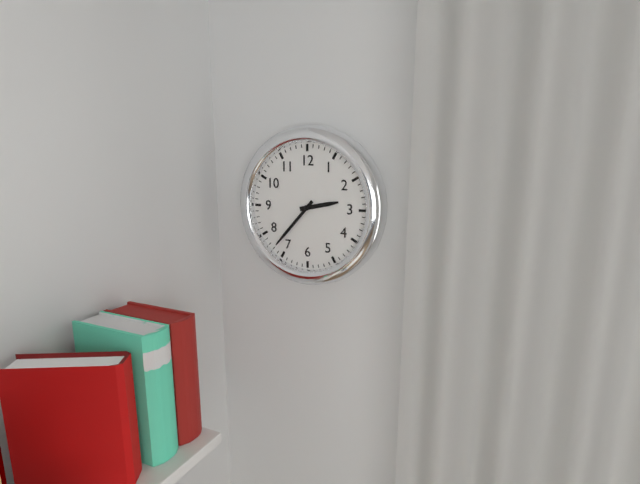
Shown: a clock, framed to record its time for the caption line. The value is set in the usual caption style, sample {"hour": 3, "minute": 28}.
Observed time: {"hour": 2, "minute": 37}
